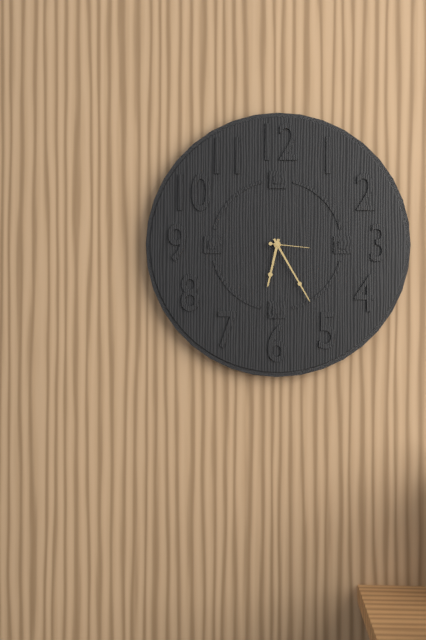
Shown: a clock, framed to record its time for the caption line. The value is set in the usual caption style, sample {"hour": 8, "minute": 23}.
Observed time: {"hour": 6, "minute": 25}
